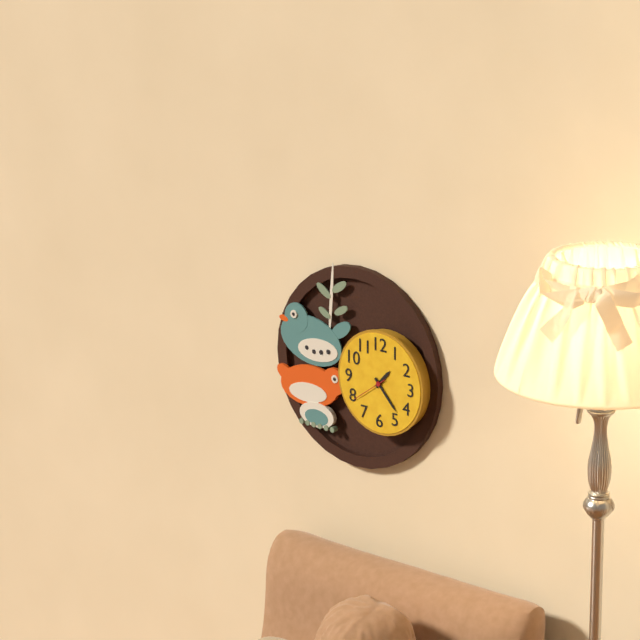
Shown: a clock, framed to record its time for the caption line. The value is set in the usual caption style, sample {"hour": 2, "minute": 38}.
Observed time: {"hour": 1, "minute": 23}
